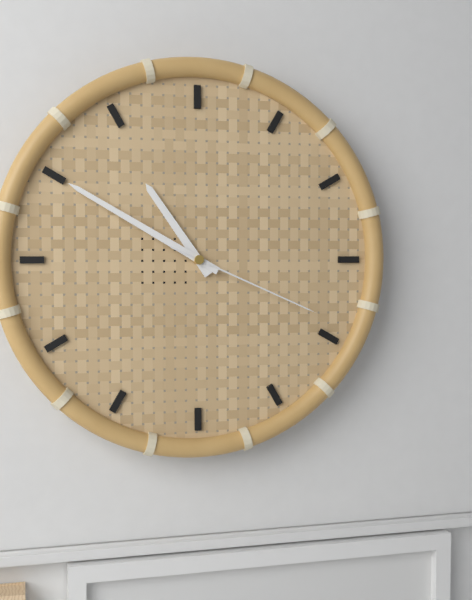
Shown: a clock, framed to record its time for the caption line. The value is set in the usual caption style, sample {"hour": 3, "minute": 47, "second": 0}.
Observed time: {"hour": 10, "minute": 50, "second": 19}
